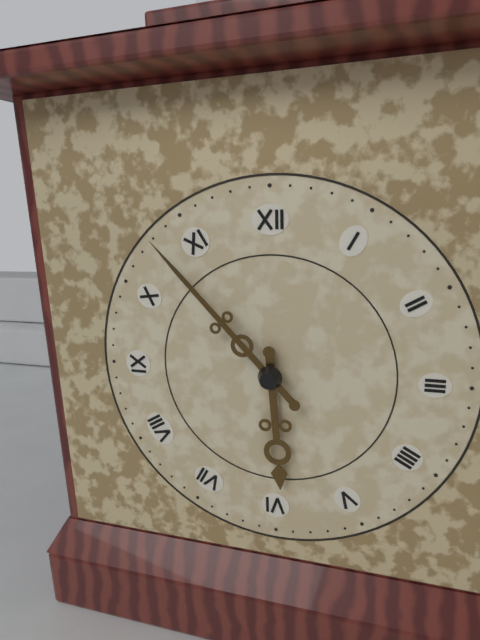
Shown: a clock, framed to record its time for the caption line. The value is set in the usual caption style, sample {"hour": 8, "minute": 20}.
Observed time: {"hour": 5, "minute": 53}
